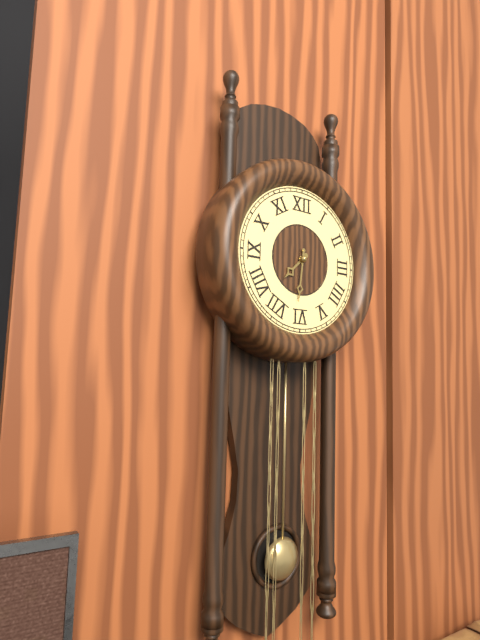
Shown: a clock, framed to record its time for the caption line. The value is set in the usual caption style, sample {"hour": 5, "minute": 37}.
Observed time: {"hour": 7, "minute": 31}
